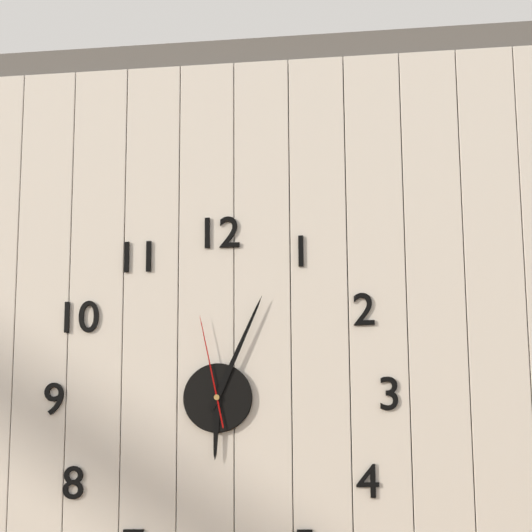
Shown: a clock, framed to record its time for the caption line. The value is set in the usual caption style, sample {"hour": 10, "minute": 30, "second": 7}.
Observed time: {"hour": 6, "minute": 4, "second": 58}
